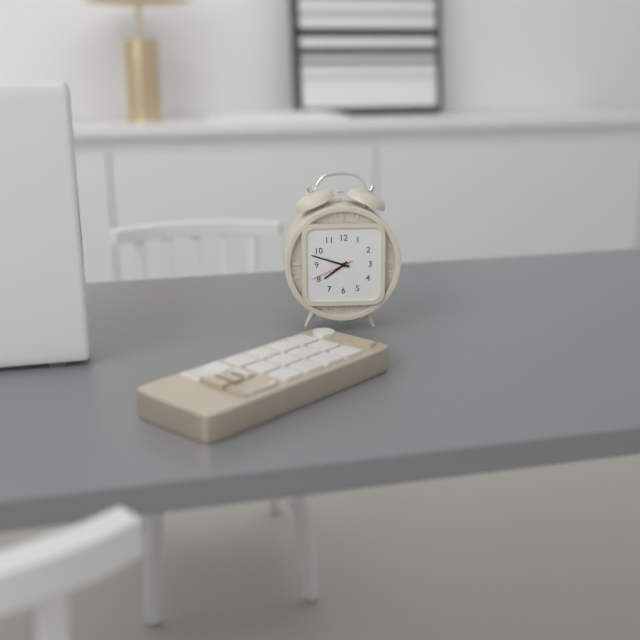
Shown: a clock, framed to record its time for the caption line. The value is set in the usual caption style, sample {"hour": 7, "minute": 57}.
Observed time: {"hour": 7, "minute": 48}
